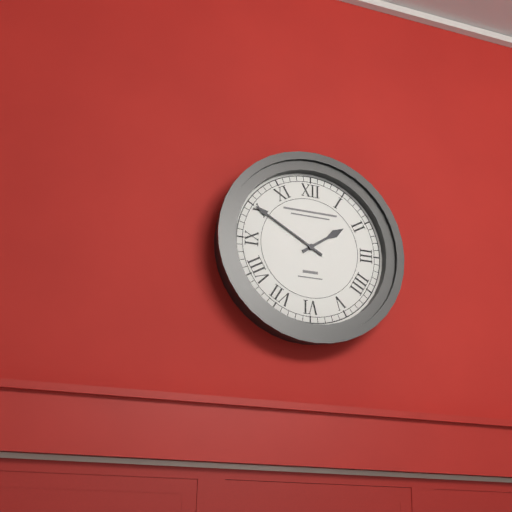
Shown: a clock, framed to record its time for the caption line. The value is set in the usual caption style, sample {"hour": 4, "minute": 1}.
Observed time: {"hour": 1, "minute": 50}
